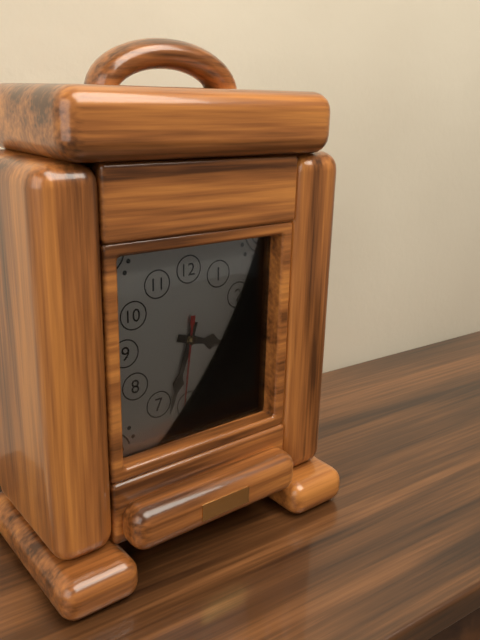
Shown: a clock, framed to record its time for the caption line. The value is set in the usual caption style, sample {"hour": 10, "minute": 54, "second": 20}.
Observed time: {"hour": 3, "minute": 33, "second": 31}
